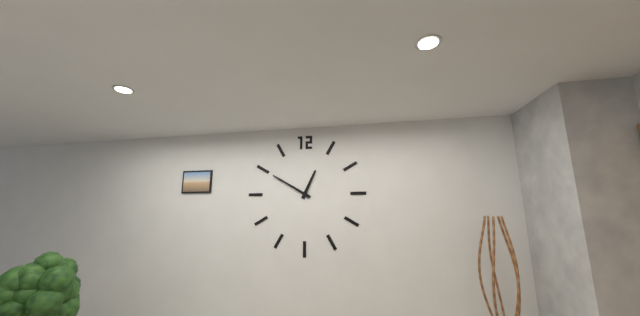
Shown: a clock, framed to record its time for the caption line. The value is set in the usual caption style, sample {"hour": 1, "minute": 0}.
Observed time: {"hour": 12, "minute": 50}
